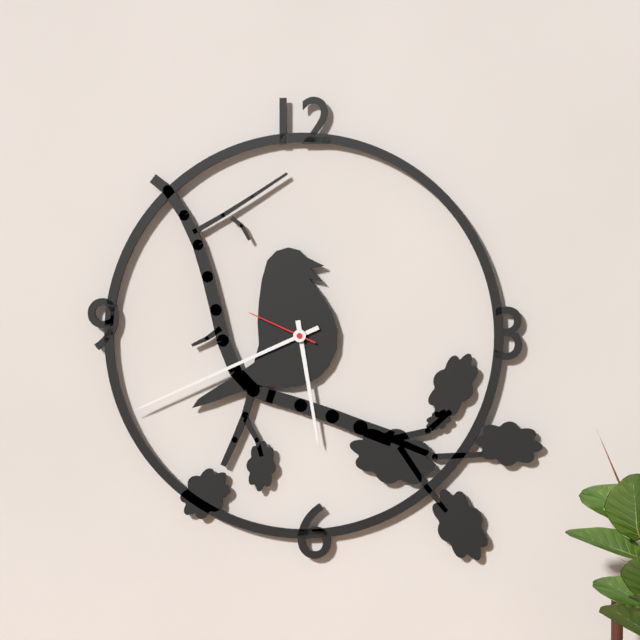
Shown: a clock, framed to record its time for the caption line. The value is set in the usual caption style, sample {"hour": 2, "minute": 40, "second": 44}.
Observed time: {"hour": 5, "minute": 41, "second": 49}
